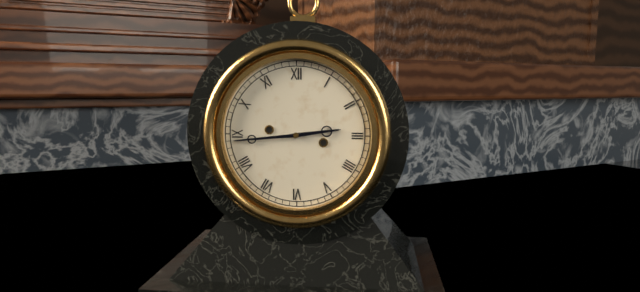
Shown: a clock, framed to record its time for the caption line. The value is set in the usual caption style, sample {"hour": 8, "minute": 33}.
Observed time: {"hour": 2, "minute": 44}
